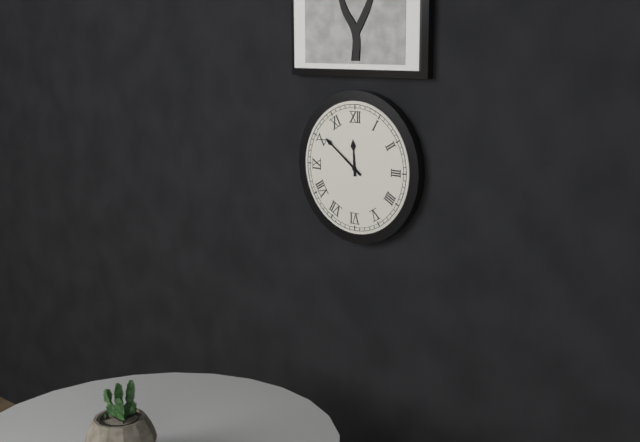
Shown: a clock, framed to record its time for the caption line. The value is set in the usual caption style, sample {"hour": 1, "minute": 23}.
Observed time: {"hour": 11, "minute": 51}
